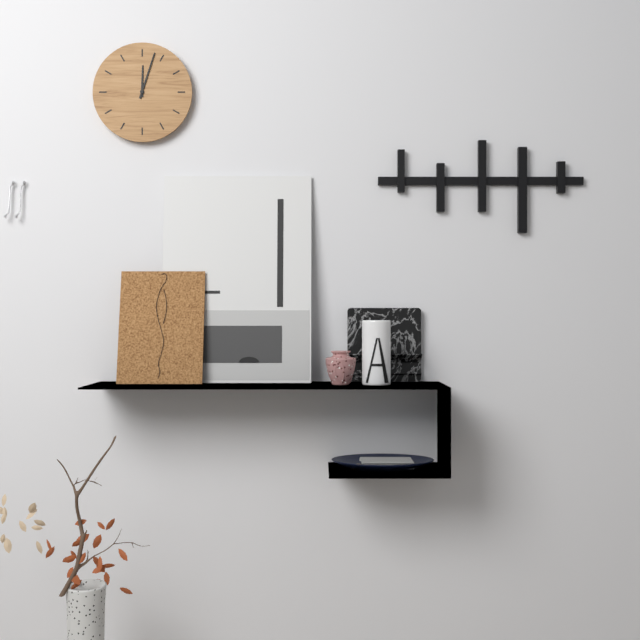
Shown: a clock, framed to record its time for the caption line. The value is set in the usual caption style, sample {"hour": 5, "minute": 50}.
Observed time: {"hour": 12, "minute": 3}
